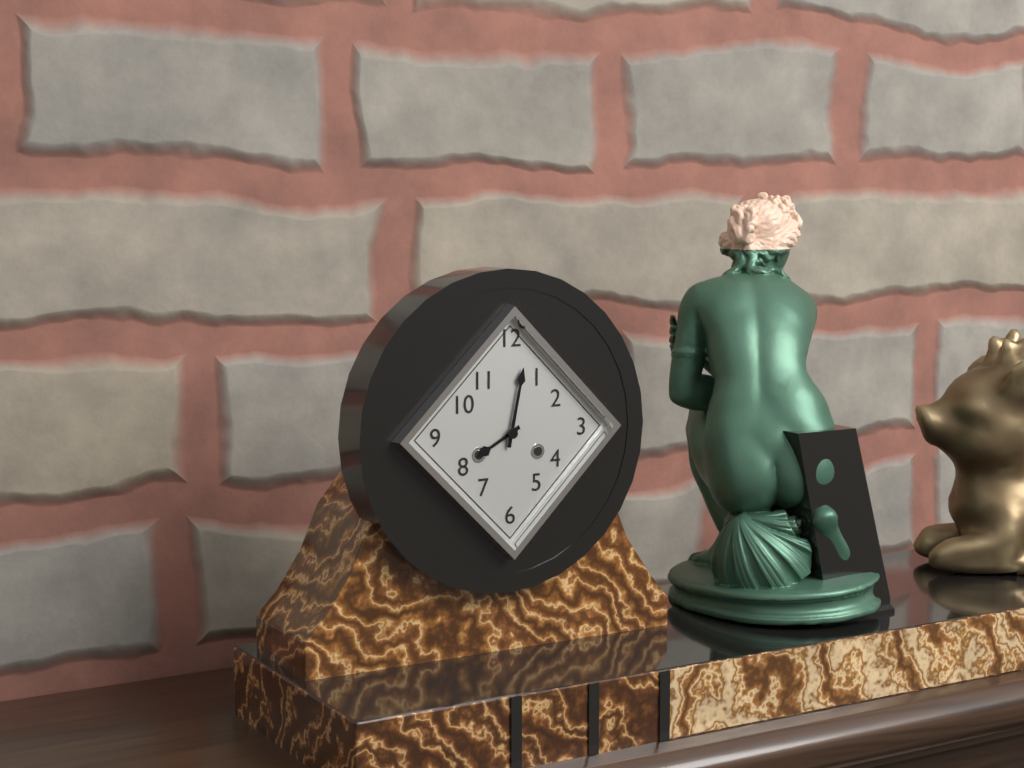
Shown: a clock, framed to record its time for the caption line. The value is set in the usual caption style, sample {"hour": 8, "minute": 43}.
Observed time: {"hour": 8, "minute": 2}
